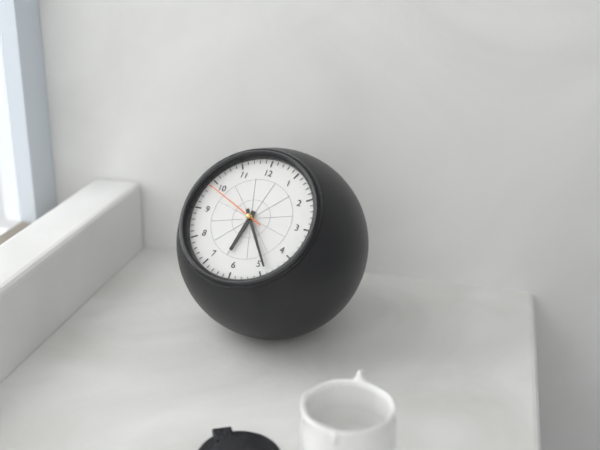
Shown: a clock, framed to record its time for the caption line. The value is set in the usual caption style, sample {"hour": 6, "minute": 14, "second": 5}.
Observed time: {"hour": 6, "minute": 24, "second": 49}
